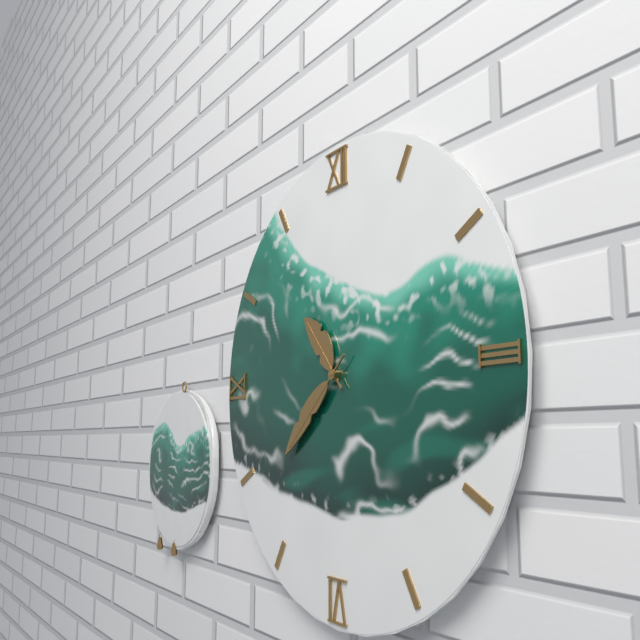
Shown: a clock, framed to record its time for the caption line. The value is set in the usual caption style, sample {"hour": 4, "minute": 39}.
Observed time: {"hour": 10, "minute": 38}
